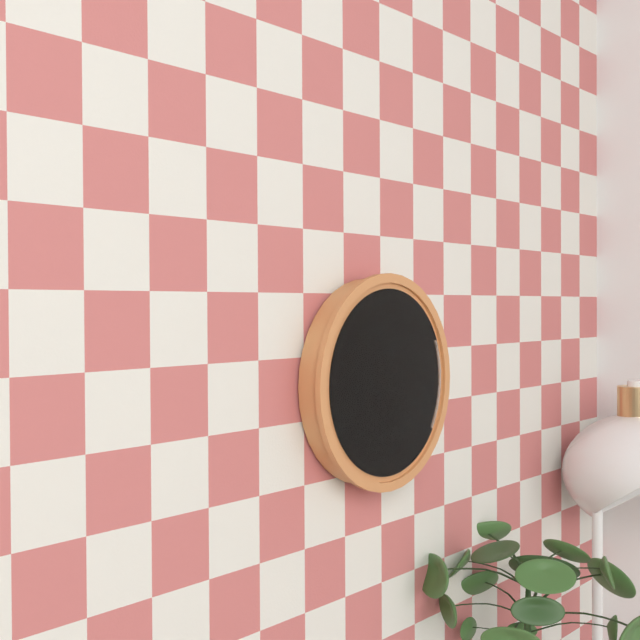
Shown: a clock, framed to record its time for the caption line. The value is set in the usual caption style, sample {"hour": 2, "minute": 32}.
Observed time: {"hour": 4, "minute": 50}
